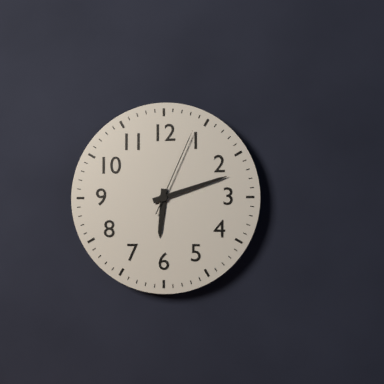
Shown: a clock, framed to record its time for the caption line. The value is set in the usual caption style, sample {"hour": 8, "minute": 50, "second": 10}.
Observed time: {"hour": 6, "minute": 12, "second": 4}
